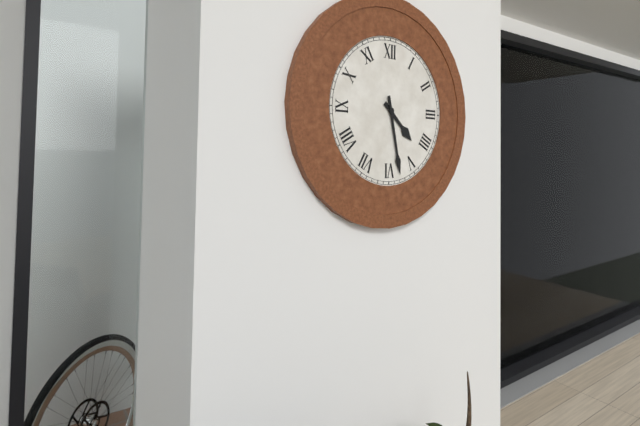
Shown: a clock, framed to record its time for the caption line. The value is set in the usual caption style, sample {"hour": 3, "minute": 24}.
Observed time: {"hour": 4, "minute": 28}
